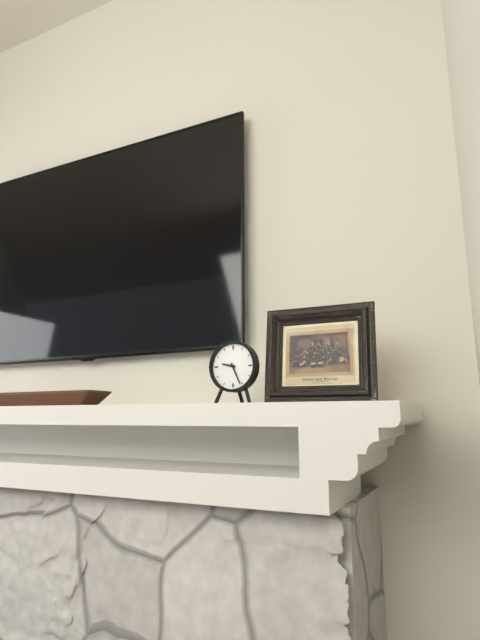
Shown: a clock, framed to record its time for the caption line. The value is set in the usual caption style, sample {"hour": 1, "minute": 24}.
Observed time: {"hour": 9, "minute": 26}
